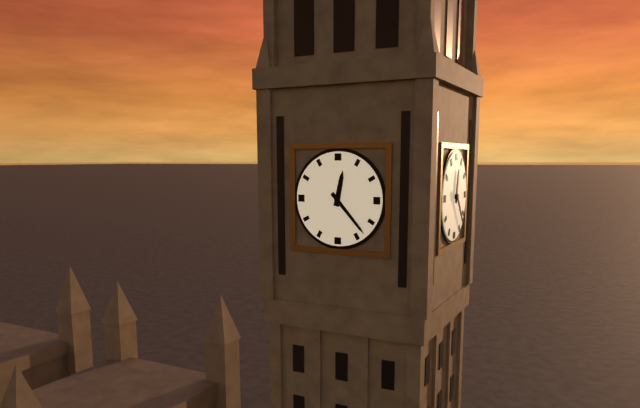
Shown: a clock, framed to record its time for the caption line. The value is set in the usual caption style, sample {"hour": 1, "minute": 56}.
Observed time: {"hour": 12, "minute": 23}
